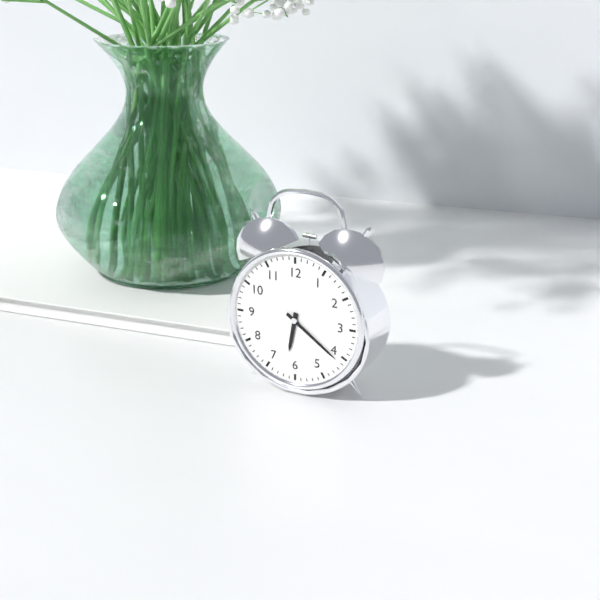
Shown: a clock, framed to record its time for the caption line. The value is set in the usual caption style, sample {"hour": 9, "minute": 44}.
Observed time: {"hour": 6, "minute": 21}
